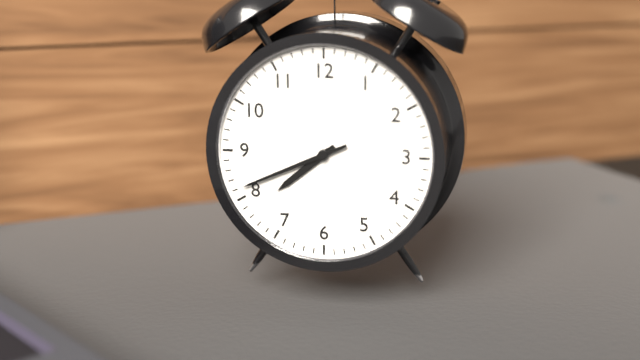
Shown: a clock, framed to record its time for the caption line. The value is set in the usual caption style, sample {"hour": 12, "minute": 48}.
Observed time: {"hour": 7, "minute": 41}
